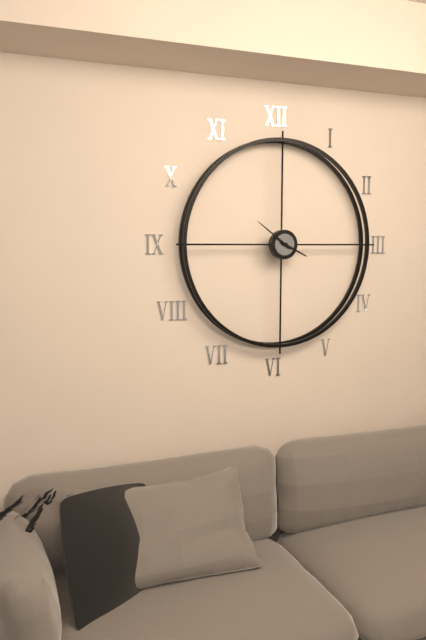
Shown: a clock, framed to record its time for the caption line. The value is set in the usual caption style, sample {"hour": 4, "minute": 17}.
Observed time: {"hour": 3, "minute": 51}
